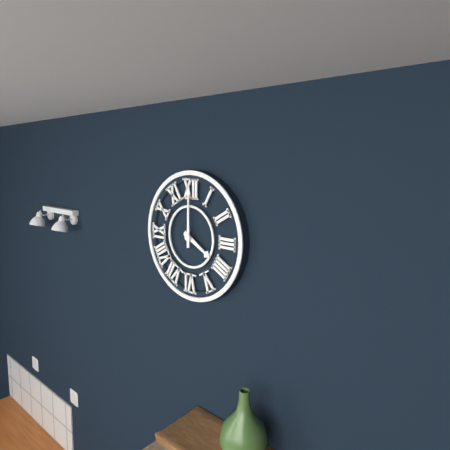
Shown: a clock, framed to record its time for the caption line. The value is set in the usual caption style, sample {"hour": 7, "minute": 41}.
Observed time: {"hour": 4, "minute": 0}
